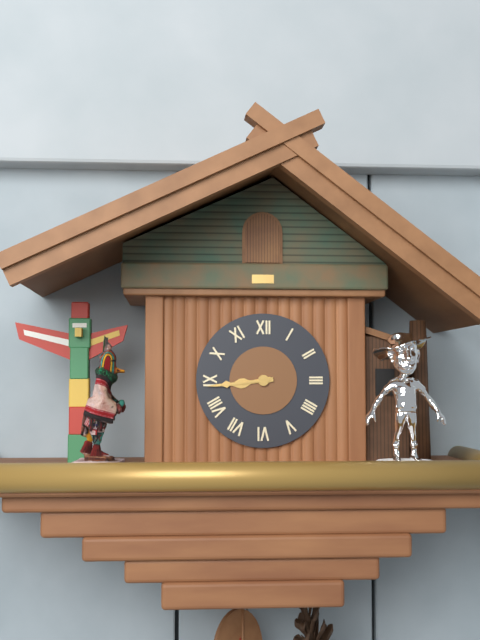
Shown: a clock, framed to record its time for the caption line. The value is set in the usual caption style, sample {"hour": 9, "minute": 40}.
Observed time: {"hour": 8, "minute": 44}
